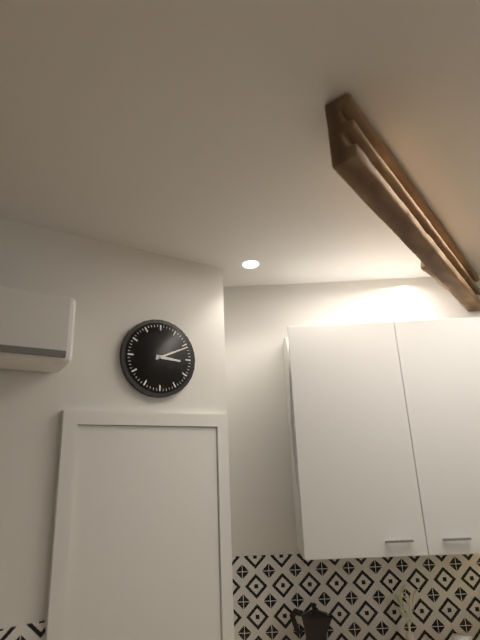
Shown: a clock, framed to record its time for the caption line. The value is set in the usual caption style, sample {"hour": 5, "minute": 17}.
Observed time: {"hour": 3, "minute": 11}
